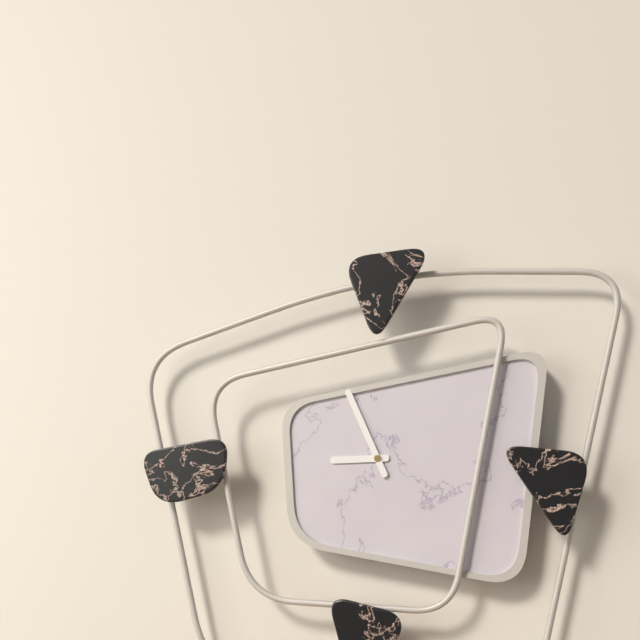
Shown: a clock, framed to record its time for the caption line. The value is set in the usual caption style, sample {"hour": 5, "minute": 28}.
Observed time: {"hour": 8, "minute": 56}
